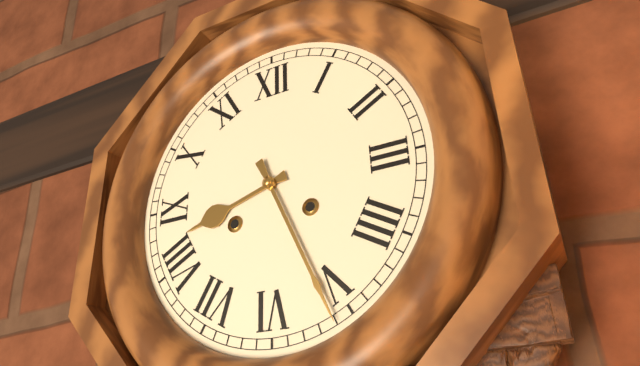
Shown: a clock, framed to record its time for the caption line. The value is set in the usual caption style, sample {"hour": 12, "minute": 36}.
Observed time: {"hour": 8, "minute": 26}
